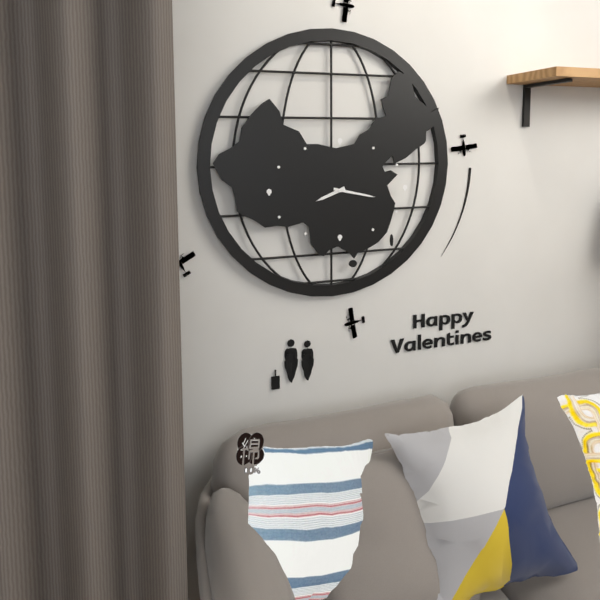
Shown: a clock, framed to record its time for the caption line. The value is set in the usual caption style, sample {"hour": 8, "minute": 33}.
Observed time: {"hour": 8, "minute": 17}
